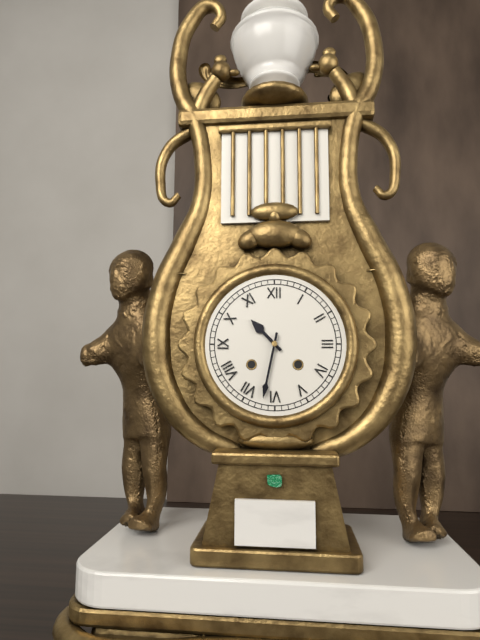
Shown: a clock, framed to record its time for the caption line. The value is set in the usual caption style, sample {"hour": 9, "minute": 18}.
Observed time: {"hour": 10, "minute": 32}
